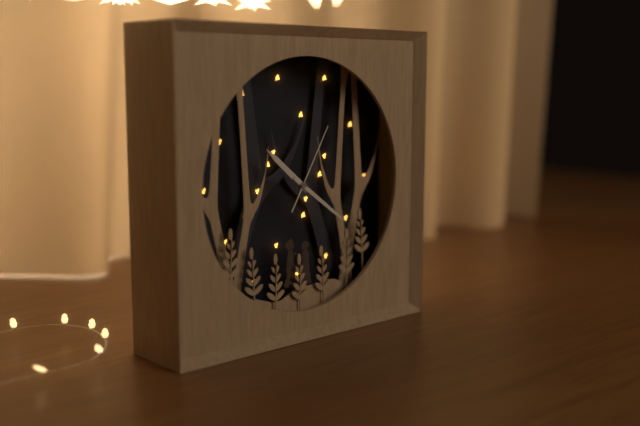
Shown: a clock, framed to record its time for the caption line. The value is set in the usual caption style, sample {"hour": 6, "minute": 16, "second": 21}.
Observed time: {"hour": 10, "minute": 21, "second": 5}
